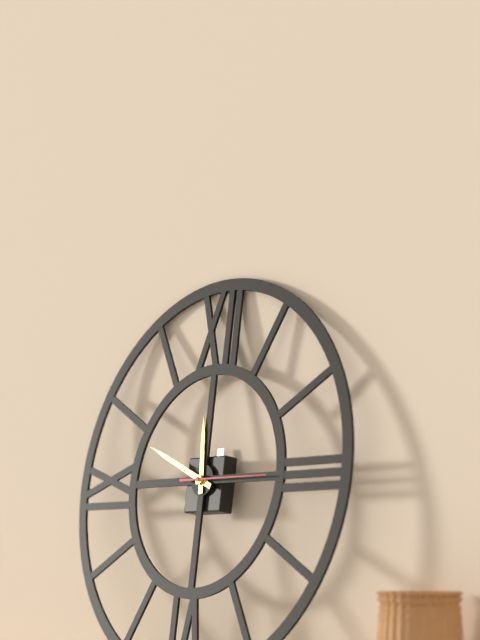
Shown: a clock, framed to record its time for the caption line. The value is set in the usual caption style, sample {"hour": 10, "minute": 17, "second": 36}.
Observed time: {"hour": 11, "minute": 49, "second": 15}
